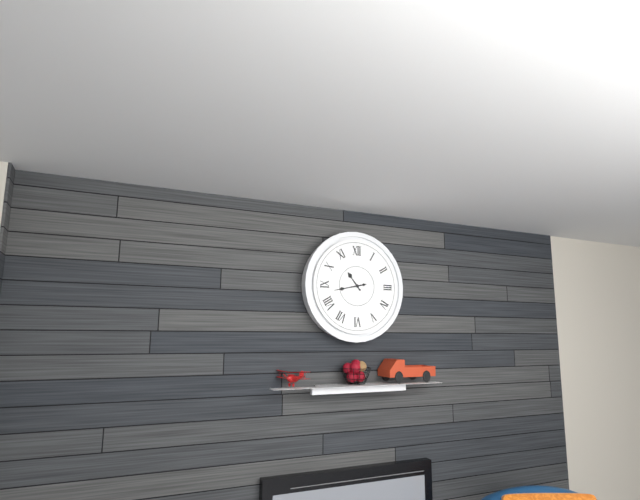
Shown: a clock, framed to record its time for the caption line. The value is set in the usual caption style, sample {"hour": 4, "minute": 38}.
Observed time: {"hour": 10, "minute": 43}
